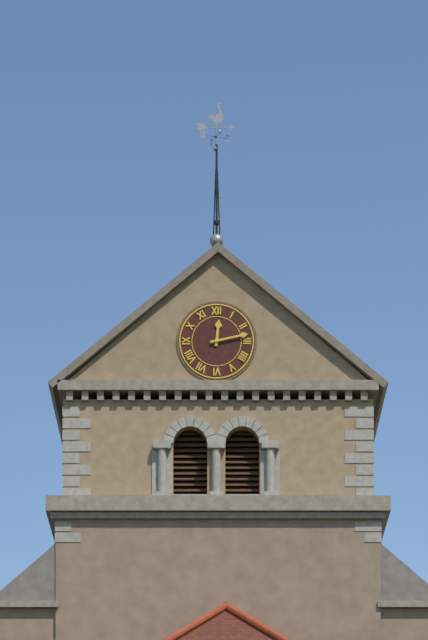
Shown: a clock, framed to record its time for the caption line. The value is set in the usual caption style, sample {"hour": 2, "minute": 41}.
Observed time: {"hour": 12, "minute": 13}
